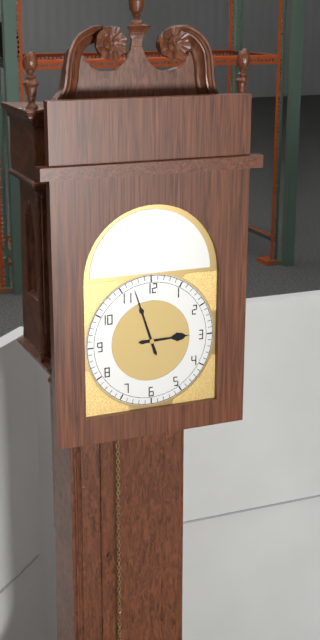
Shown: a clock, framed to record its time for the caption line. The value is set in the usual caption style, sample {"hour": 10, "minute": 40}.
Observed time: {"hour": 2, "minute": 57}
